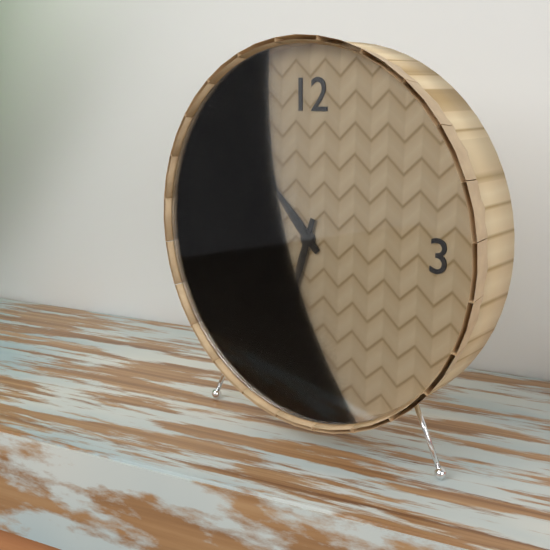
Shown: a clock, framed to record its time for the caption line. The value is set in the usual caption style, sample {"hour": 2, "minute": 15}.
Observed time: {"hour": 10, "minute": 33}
